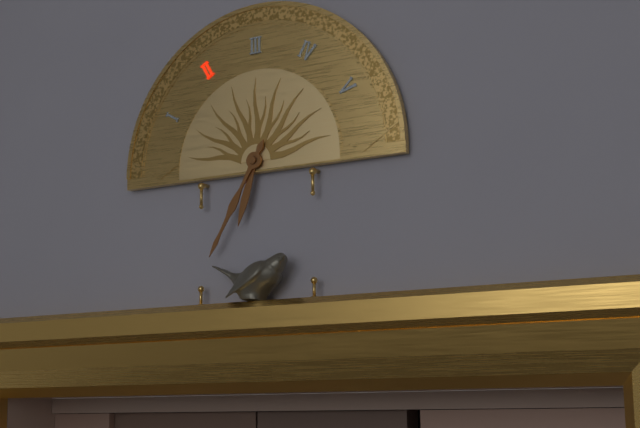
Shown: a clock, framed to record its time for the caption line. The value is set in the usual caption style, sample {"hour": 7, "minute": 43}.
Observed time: {"hour": 6, "minute": 35}
